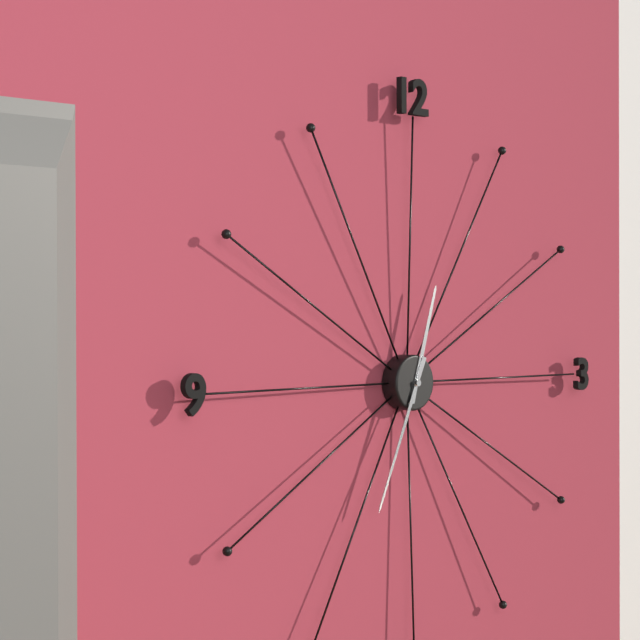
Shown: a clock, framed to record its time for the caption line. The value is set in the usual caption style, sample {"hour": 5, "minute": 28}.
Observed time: {"hour": 12, "minute": 34}
